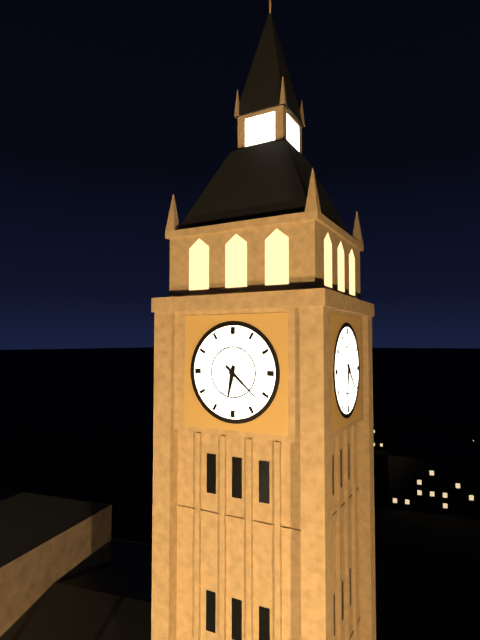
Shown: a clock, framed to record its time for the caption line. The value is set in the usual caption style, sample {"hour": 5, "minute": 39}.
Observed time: {"hour": 6, "minute": 22}
